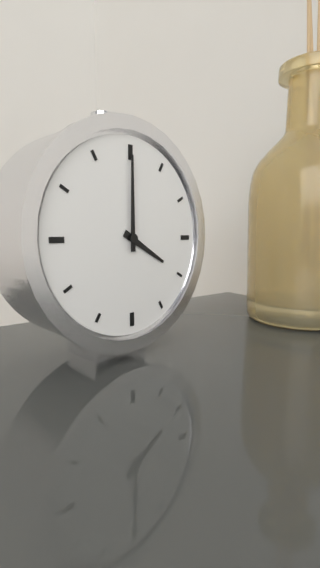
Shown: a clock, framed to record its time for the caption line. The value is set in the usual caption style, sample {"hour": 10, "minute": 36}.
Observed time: {"hour": 4, "minute": 0}
